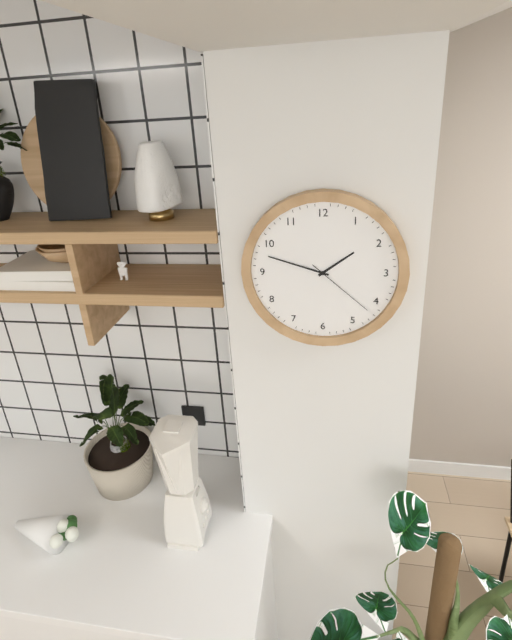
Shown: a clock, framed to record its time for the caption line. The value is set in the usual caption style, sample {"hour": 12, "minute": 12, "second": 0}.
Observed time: {"hour": 1, "minute": 48, "second": 22}
